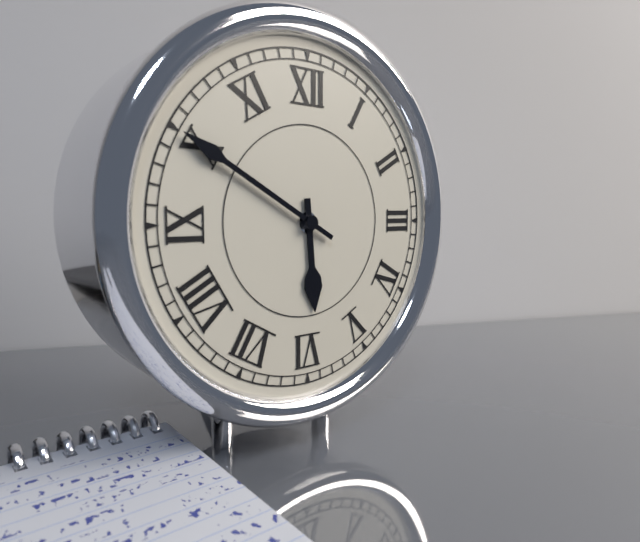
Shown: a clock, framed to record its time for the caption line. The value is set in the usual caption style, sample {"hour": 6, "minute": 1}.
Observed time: {"hour": 5, "minute": 50}
